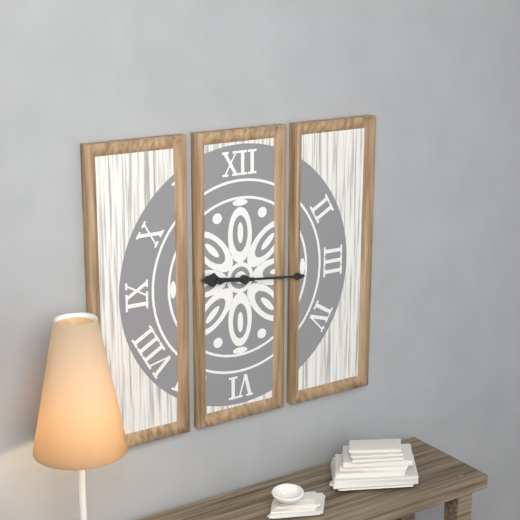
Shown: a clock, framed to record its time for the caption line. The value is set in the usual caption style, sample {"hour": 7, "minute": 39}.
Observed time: {"hour": 9, "minute": 16}
